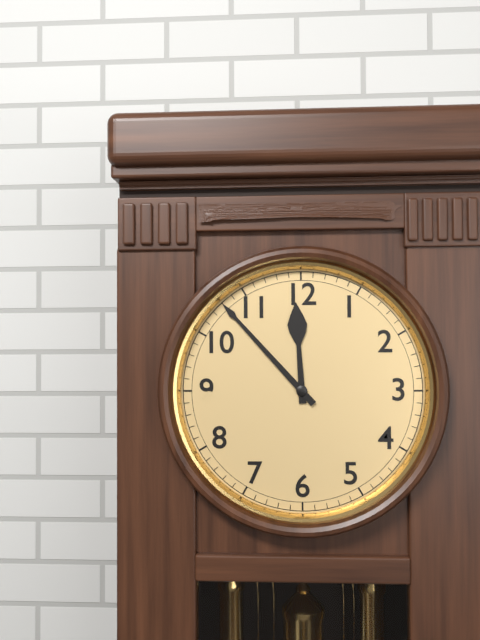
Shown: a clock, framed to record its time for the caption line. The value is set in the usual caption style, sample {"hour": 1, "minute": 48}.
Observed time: {"hour": 11, "minute": 53}
